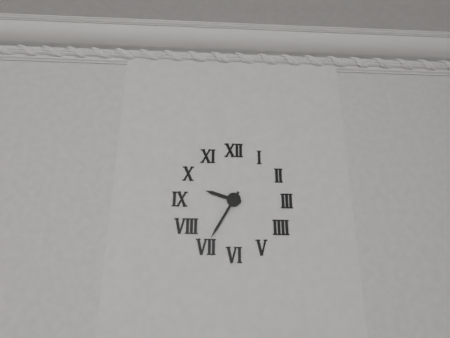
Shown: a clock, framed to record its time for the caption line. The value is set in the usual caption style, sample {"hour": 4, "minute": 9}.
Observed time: {"hour": 9, "minute": 35}
